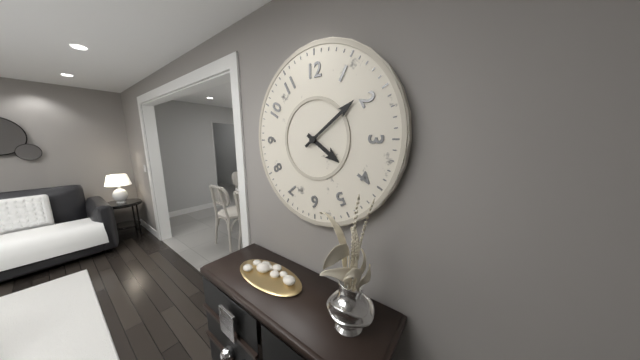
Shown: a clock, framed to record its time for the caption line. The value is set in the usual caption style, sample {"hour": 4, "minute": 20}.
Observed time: {"hour": 4, "minute": 9}
